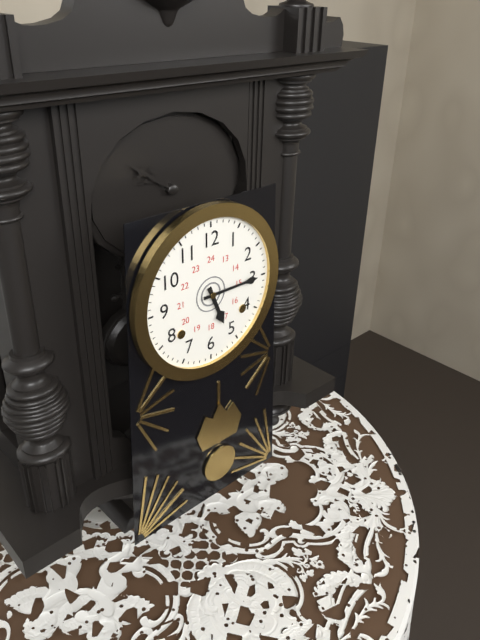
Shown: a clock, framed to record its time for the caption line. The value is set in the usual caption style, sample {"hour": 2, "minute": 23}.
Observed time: {"hour": 5, "minute": 15}
